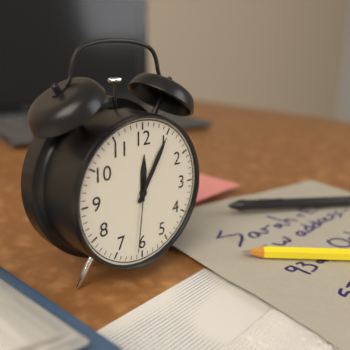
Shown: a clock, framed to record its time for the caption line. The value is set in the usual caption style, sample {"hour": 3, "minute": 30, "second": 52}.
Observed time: {"hour": 12, "minute": 5, "second": 31}
